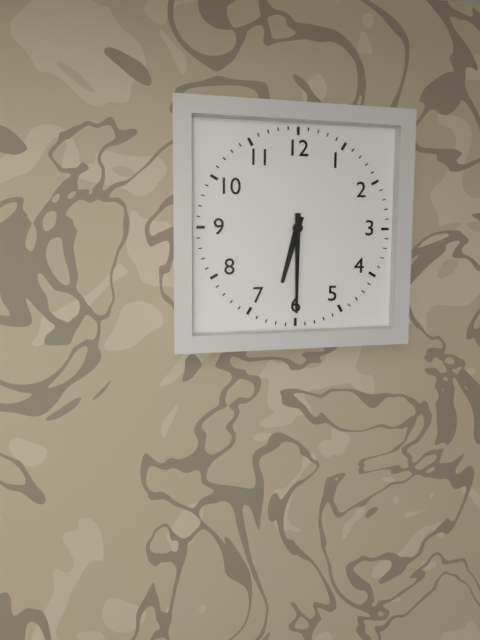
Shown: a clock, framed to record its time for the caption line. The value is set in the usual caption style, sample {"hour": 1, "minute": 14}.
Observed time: {"hour": 6, "minute": 30}
